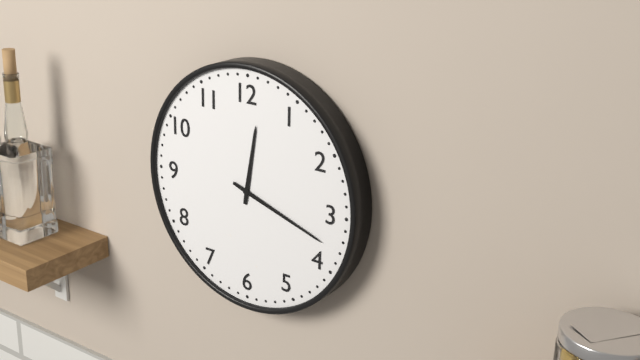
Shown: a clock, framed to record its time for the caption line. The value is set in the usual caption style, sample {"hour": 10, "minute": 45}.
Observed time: {"hour": 12, "minute": 18}
